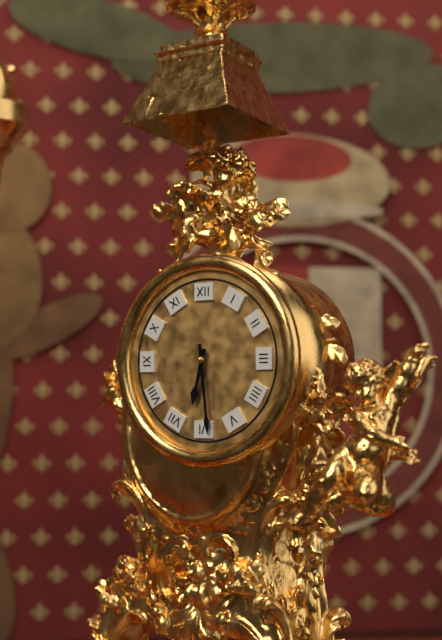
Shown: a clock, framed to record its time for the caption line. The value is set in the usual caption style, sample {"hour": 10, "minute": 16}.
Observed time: {"hour": 6, "minute": 29}
